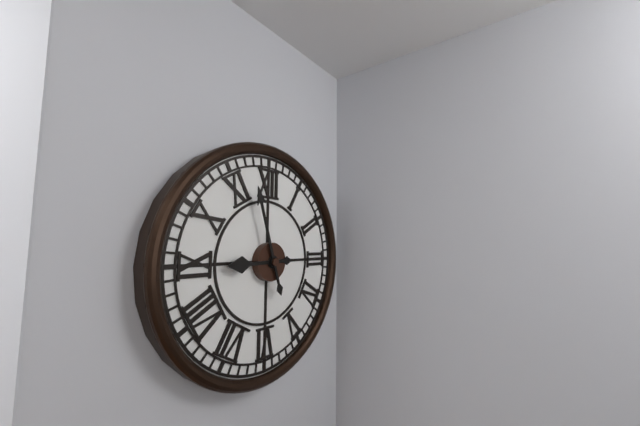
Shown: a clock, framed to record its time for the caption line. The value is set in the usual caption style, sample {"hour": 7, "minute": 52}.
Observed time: {"hour": 8, "minute": 57}
